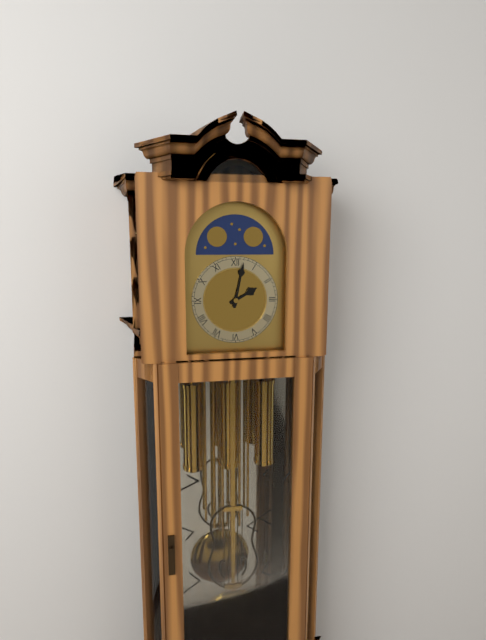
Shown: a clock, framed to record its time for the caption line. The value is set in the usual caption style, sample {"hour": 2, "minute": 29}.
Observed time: {"hour": 2, "minute": 2}
